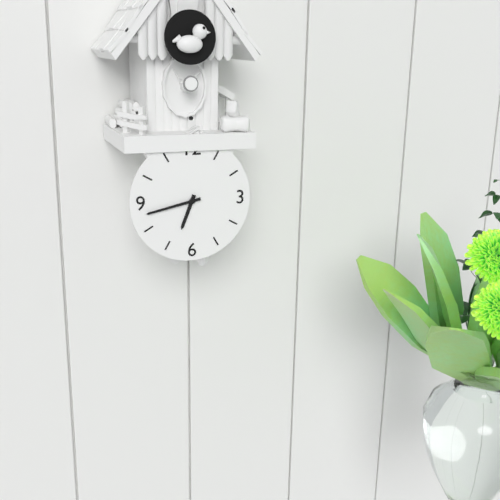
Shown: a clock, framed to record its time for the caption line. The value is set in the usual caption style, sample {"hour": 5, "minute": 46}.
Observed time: {"hour": 6, "minute": 43}
